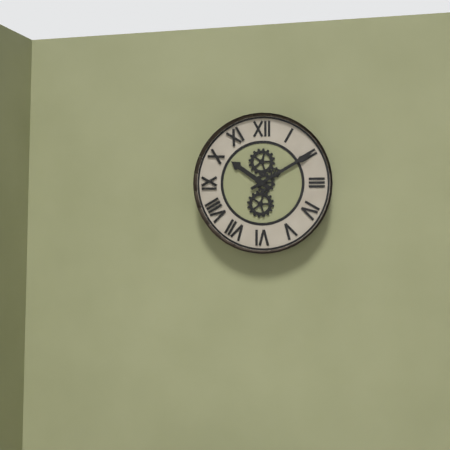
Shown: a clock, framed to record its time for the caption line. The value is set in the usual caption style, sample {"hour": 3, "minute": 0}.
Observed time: {"hour": 10, "minute": 10}
